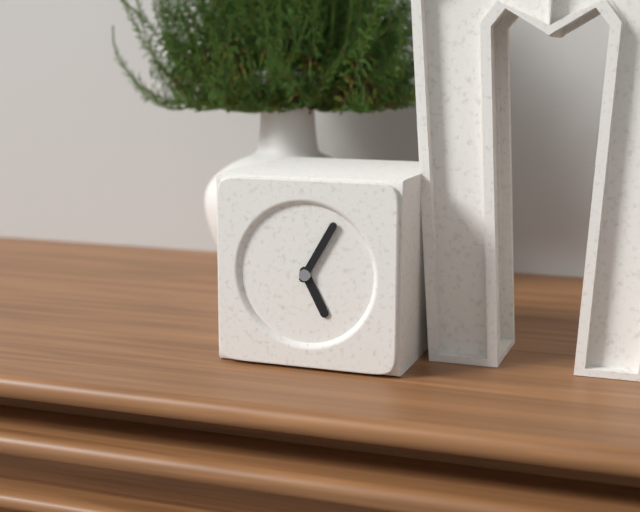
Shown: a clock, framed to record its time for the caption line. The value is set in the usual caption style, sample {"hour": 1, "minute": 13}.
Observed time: {"hour": 5, "minute": 5}
